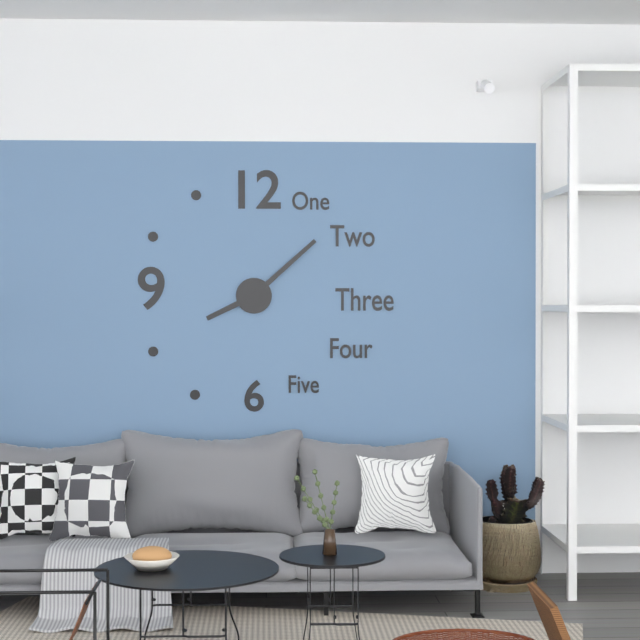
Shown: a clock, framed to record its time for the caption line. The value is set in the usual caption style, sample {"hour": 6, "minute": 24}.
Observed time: {"hour": 8, "minute": 8}
